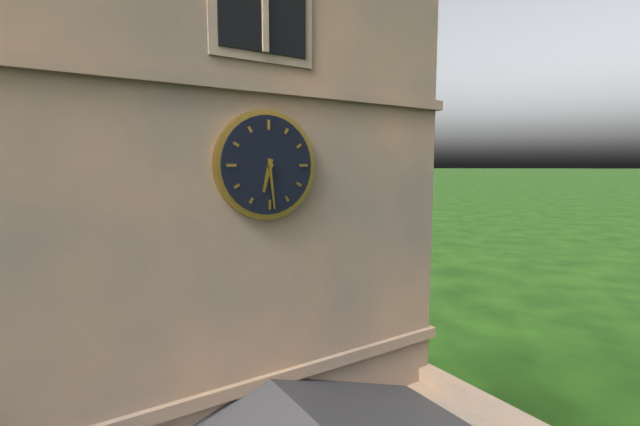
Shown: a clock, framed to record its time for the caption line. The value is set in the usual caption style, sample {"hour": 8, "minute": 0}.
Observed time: {"hour": 6, "minute": 29}
